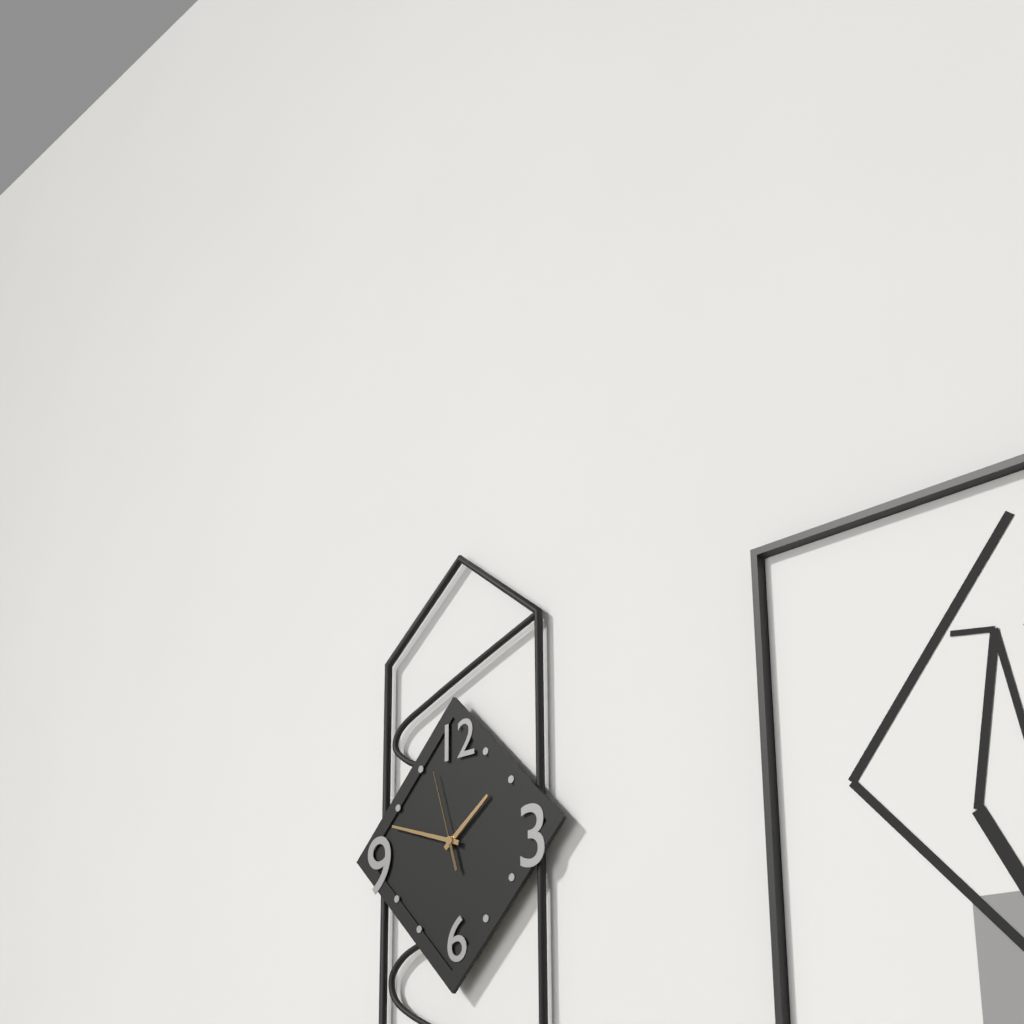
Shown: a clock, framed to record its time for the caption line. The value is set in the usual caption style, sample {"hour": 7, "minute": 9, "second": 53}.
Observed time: {"hour": 1, "minute": 48, "second": 57}
